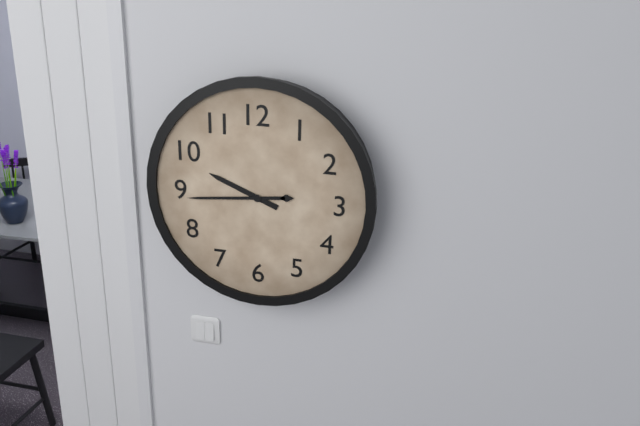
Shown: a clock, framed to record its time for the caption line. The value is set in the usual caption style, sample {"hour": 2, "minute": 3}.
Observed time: {"hour": 9, "minute": 44}
